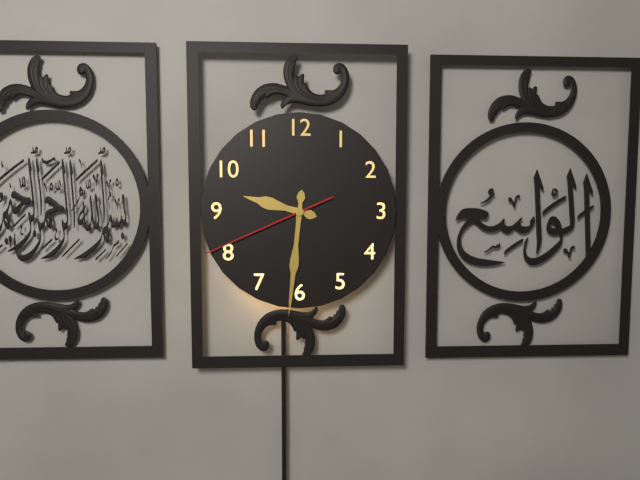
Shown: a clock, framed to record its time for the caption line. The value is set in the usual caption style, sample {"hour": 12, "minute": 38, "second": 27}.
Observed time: {"hour": 9, "minute": 31, "second": 41}
